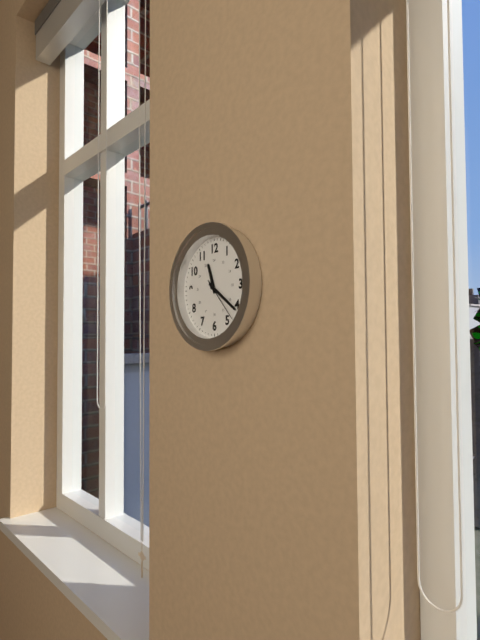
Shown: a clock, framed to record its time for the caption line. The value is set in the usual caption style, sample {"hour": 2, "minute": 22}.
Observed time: {"hour": 11, "minute": 21}
